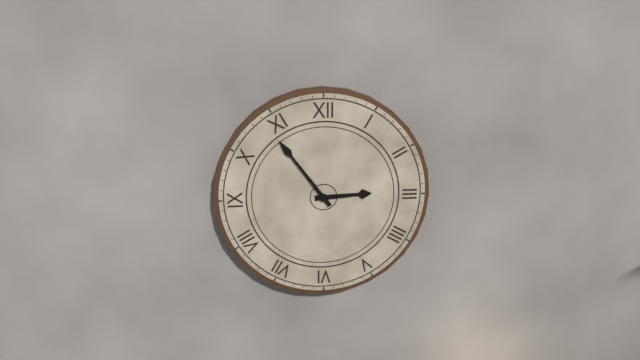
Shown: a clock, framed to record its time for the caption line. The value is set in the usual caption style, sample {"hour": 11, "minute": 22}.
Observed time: {"hour": 2, "minute": 54}
